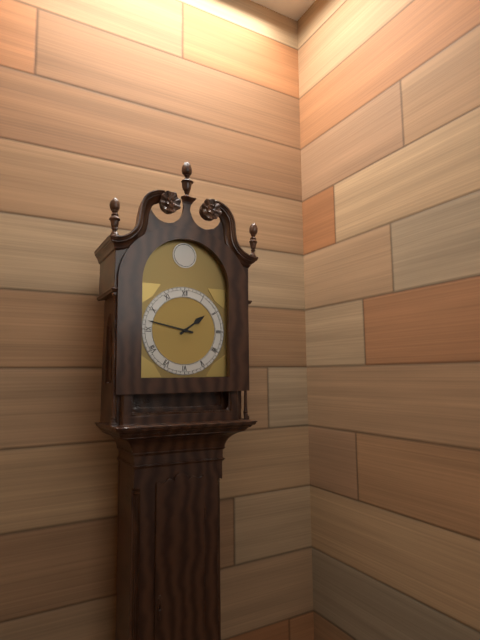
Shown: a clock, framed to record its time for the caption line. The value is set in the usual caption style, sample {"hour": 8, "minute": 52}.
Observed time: {"hour": 1, "minute": 47}
